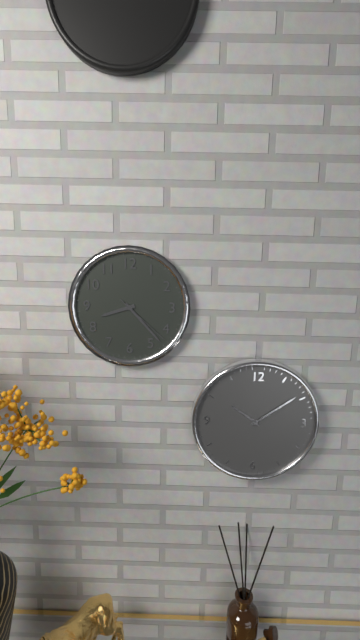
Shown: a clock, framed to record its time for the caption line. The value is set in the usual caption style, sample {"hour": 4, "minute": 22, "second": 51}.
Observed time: {"hour": 8, "minute": 23, "second": 22}
